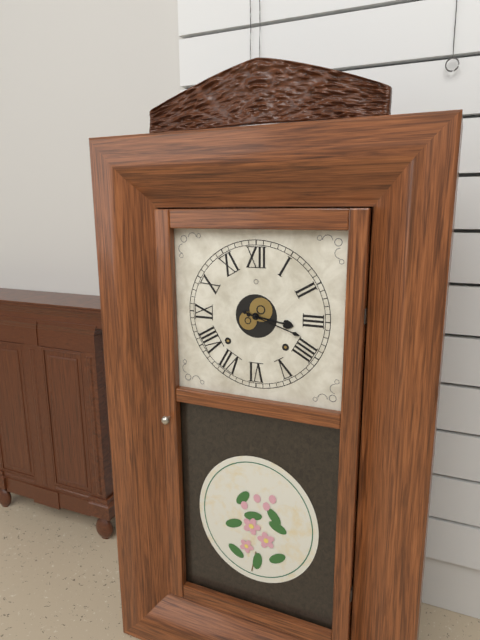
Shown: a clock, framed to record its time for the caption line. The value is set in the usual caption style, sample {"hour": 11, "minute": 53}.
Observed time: {"hour": 3, "minute": 18}
